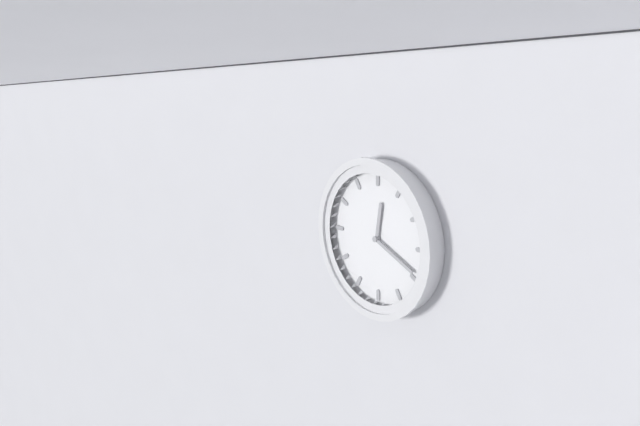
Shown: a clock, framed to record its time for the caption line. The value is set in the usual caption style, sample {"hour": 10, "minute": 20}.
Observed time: {"hour": 12, "minute": 19}
